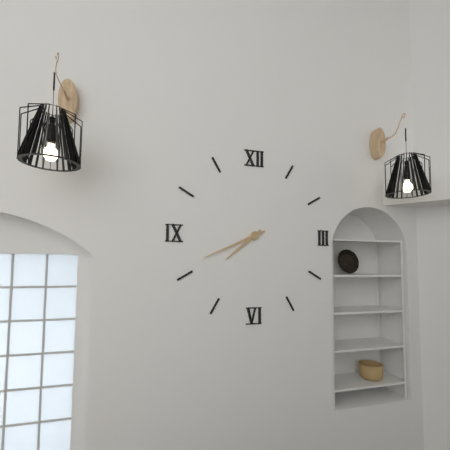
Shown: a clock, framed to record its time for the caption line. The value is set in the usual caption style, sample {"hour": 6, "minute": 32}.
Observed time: {"hour": 7, "minute": 41}
